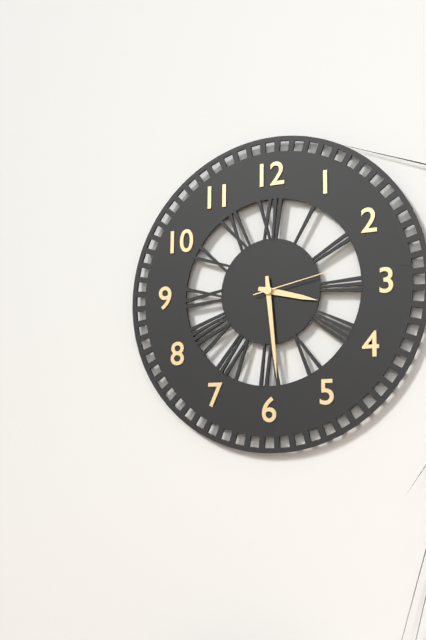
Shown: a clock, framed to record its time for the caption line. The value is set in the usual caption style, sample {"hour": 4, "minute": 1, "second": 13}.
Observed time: {"hour": 3, "minute": 29, "second": 13}
